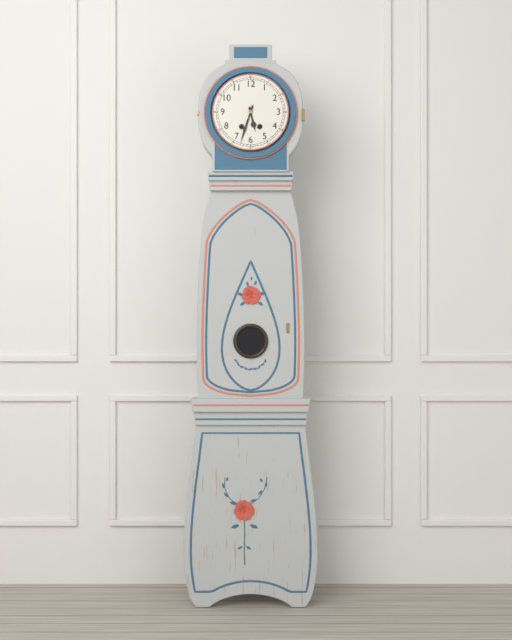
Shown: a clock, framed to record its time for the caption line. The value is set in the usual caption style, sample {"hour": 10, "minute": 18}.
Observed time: {"hour": 5, "minute": 33}
